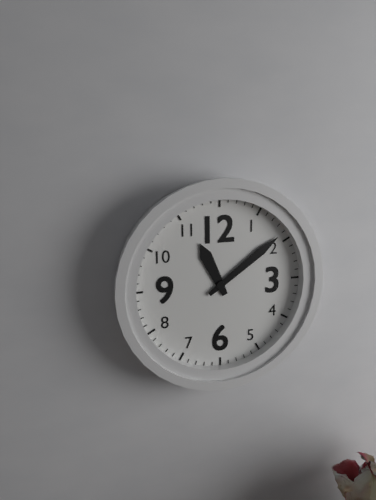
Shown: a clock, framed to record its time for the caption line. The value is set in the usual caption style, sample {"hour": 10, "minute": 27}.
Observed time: {"hour": 11, "minute": 9}
